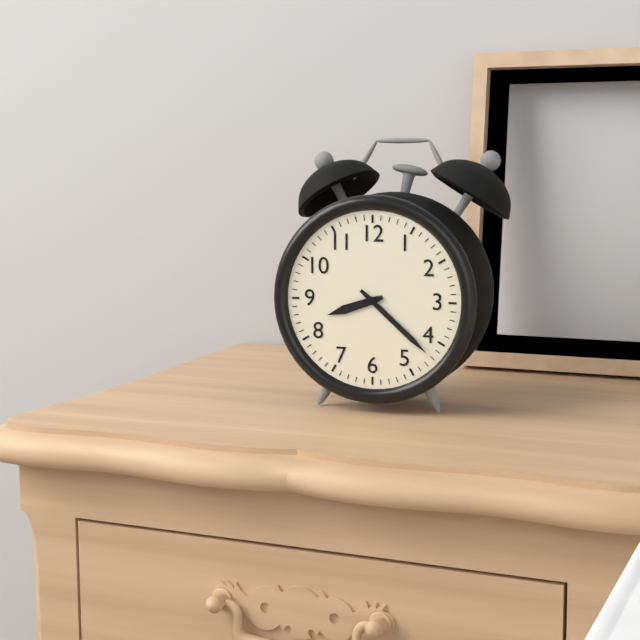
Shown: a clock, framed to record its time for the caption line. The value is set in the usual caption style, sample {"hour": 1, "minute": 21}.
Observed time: {"hour": 8, "minute": 22}
